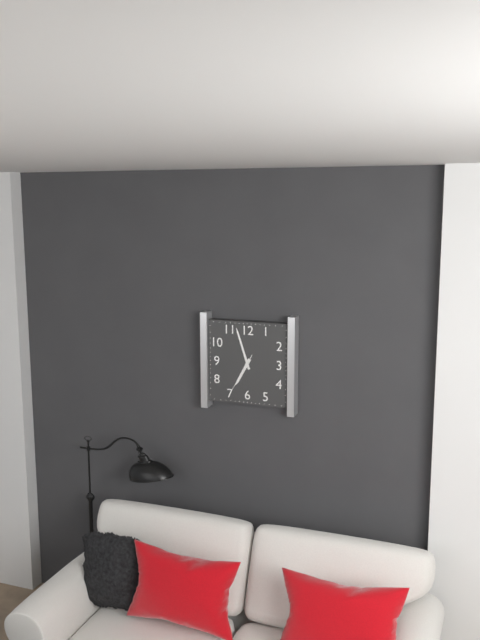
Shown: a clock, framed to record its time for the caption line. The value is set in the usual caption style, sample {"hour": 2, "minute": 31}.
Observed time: {"hour": 6, "minute": 57}
